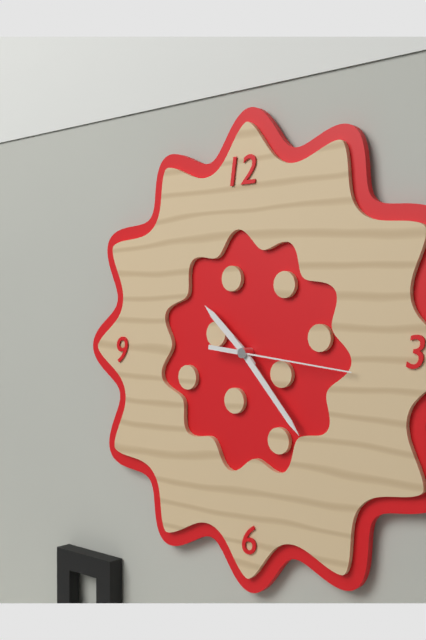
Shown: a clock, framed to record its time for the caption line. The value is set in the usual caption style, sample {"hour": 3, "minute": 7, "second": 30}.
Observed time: {"hour": 10, "minute": 23, "second": 16}
